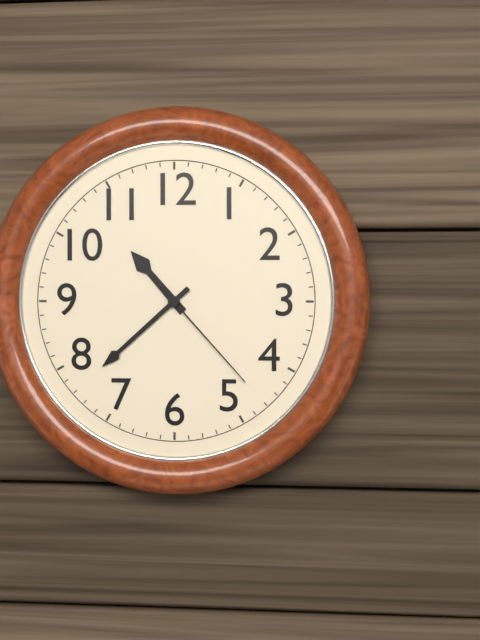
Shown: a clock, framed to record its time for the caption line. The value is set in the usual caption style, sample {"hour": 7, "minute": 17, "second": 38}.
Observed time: {"hour": 10, "minute": 38, "second": 23}
